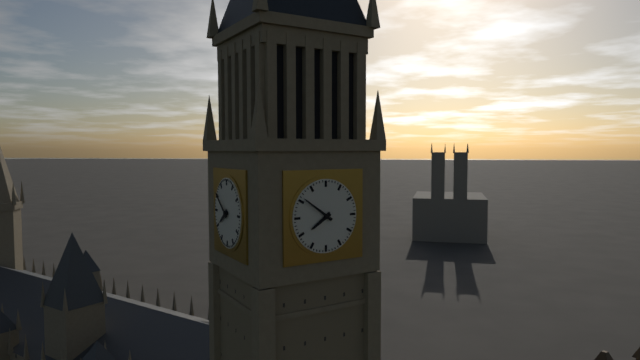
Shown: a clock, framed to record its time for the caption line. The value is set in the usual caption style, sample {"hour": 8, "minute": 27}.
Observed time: {"hour": 7, "minute": 51}
